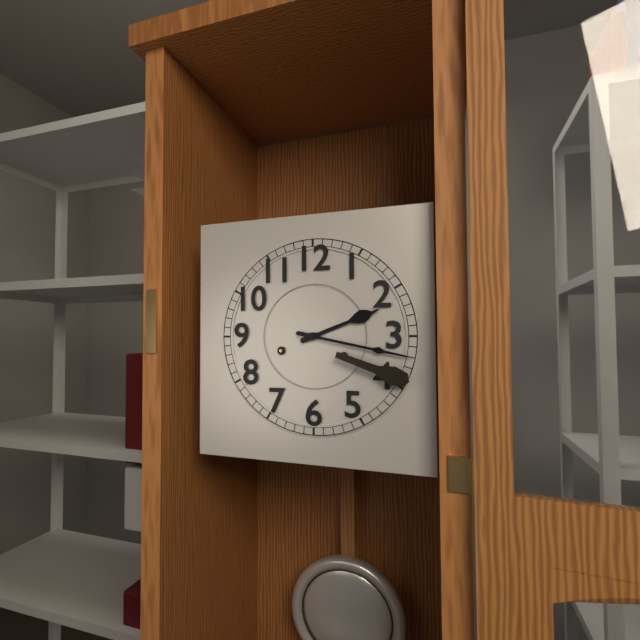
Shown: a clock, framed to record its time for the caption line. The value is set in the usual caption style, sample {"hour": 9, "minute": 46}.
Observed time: {"hour": 2, "minute": 17}
